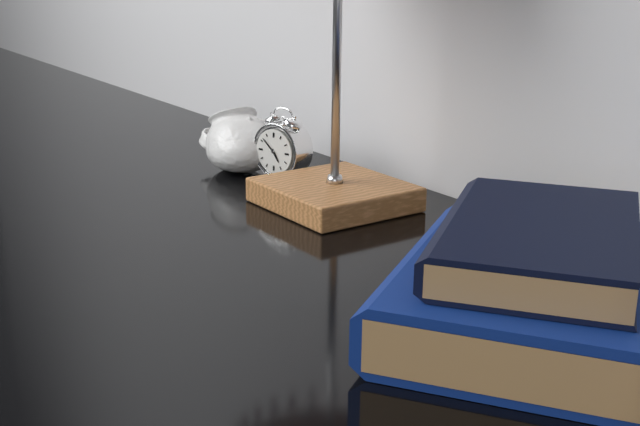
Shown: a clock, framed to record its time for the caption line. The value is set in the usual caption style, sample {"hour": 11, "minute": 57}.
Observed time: {"hour": 4, "minute": 52}
